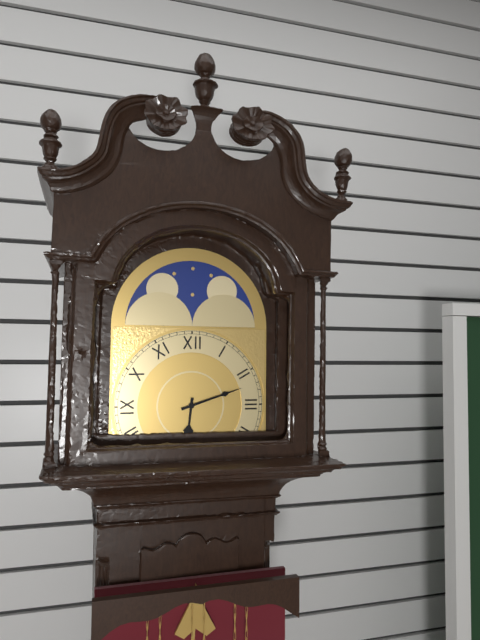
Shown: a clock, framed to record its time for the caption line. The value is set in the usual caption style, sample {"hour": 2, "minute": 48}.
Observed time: {"hour": 6, "minute": 12}
